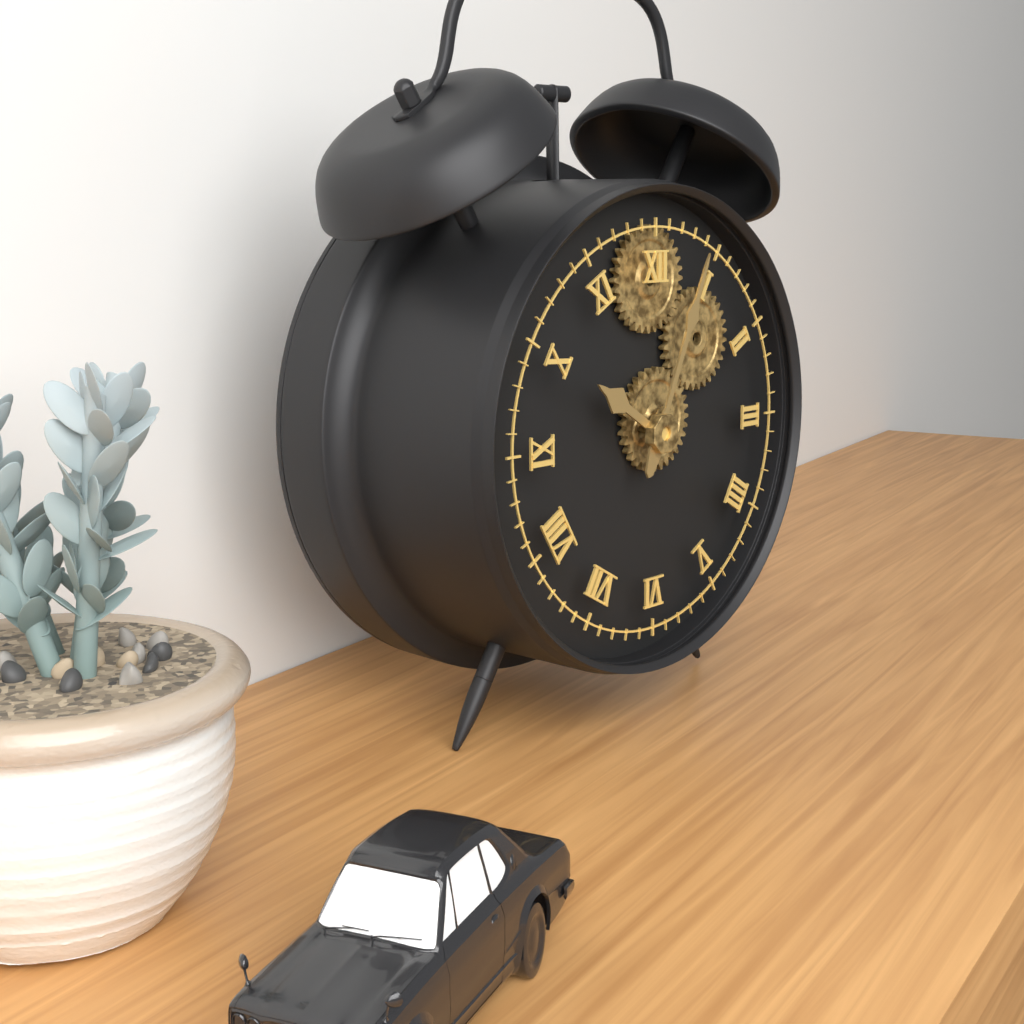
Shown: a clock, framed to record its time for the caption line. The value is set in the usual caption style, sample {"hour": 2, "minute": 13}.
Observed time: {"hour": 10, "minute": 4}
